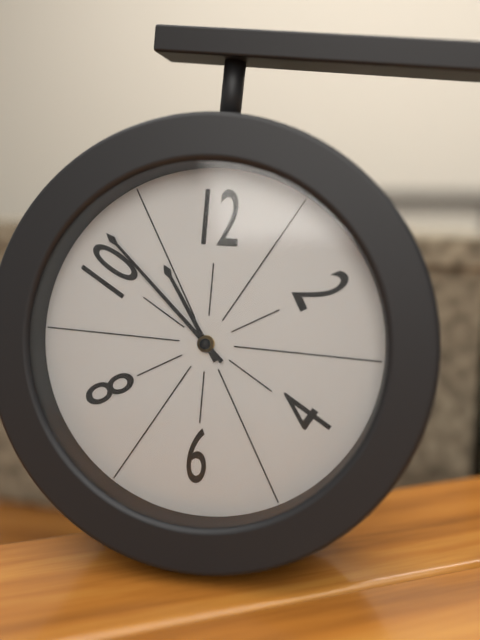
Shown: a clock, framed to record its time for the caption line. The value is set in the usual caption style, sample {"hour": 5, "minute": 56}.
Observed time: {"hour": 10, "minute": 52}
